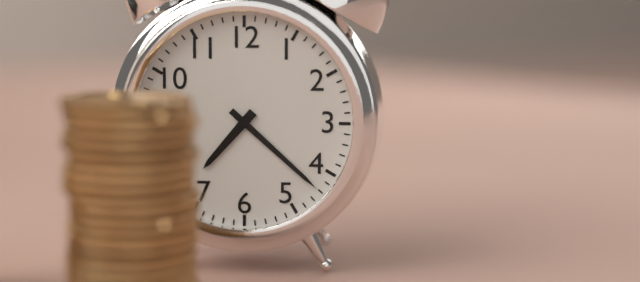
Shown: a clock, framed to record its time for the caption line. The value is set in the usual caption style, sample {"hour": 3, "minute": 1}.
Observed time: {"hour": 7, "minute": 22}
